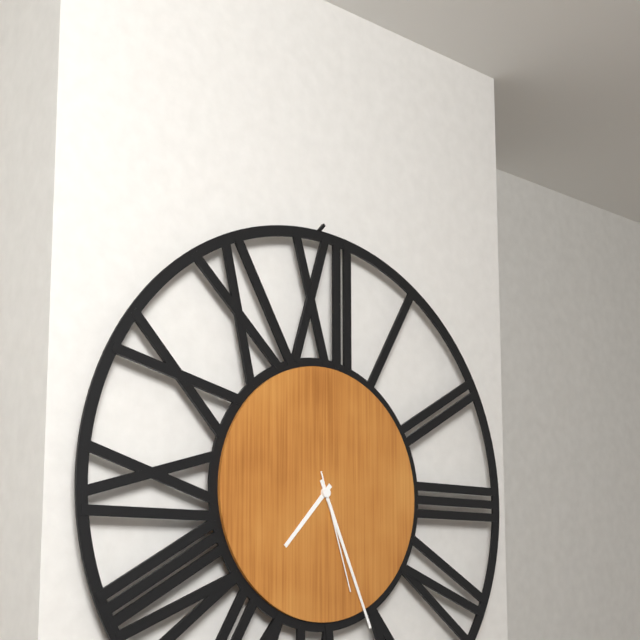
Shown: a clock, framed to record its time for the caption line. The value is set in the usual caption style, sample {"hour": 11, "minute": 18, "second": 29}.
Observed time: {"hour": 7, "minute": 26, "second": 27}
